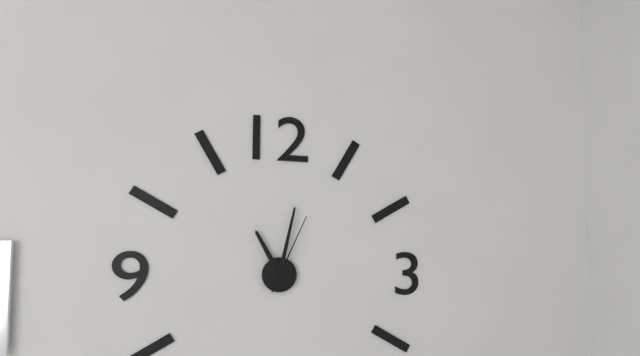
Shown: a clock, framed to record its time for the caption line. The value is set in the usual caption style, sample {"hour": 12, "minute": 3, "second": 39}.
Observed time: {"hour": 11, "minute": 2, "second": 4}
